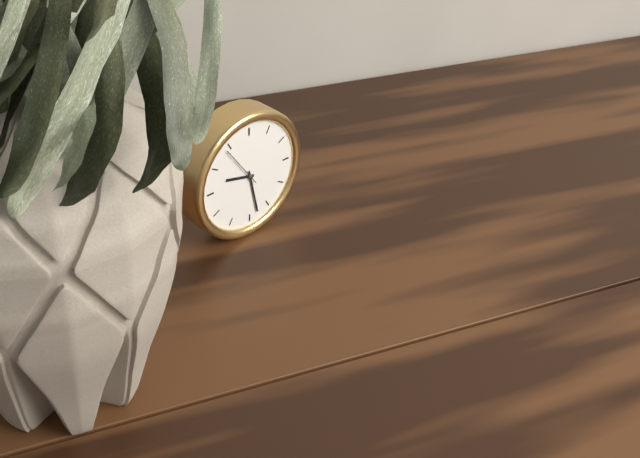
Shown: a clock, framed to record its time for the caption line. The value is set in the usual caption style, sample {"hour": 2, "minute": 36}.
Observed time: {"hour": 9, "minute": 28}
